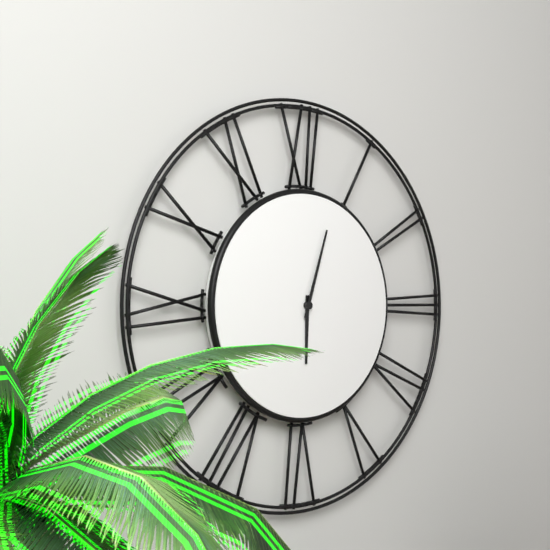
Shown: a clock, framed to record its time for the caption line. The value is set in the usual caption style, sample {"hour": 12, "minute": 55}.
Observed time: {"hour": 6, "minute": 3}
